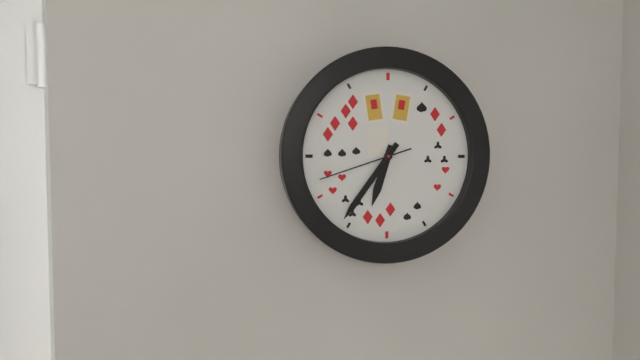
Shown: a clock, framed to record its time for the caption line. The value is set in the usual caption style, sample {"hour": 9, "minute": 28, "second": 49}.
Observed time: {"hour": 6, "minute": 36, "second": 42}
